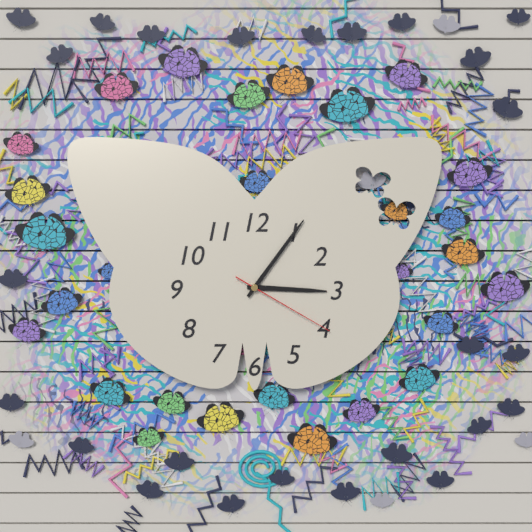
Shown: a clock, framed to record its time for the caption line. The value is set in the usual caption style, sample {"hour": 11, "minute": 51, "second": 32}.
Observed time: {"hour": 3, "minute": 6, "second": 20}
